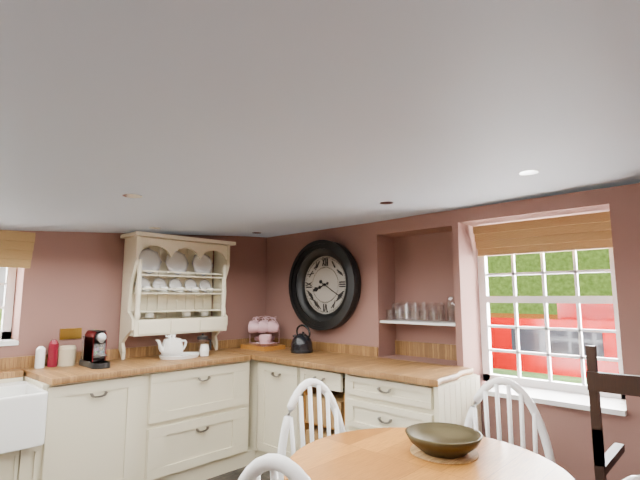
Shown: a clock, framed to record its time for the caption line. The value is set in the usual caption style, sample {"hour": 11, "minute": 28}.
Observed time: {"hour": 8, "minute": 20}
